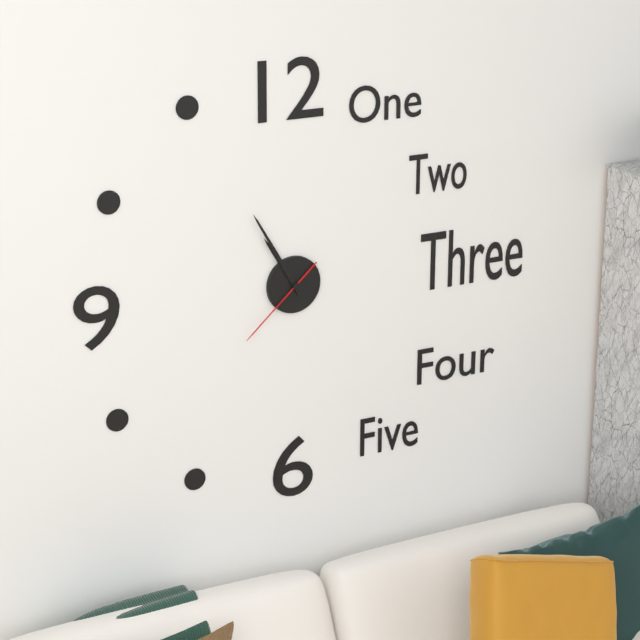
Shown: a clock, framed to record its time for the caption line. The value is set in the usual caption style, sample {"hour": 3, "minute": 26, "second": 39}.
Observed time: {"hour": 10, "minute": 55, "second": 38}
